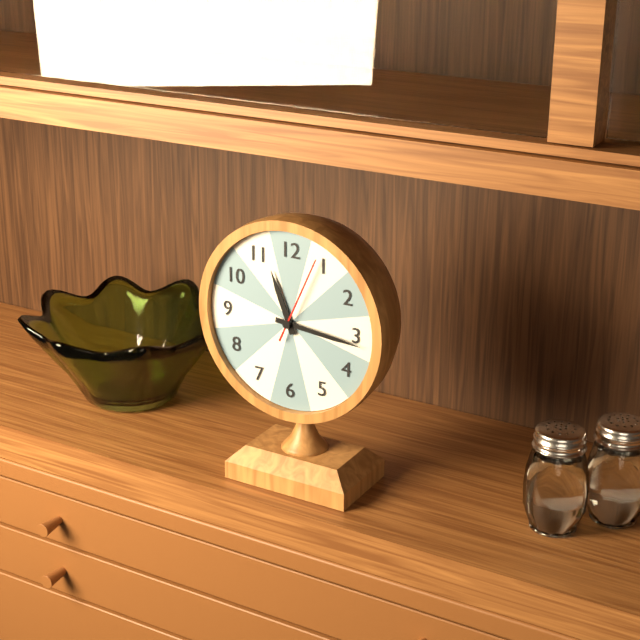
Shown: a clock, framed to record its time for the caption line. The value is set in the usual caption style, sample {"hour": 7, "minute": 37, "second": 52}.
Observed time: {"hour": 11, "minute": 16, "second": 4}
